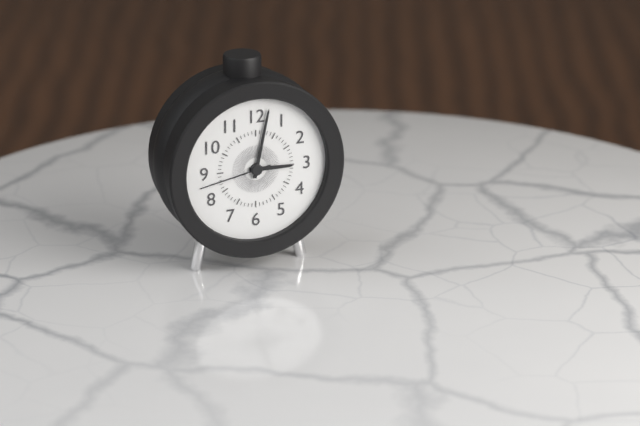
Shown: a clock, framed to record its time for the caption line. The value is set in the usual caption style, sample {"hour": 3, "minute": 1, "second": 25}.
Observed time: {"hour": 3, "minute": 2, "second": 43}
